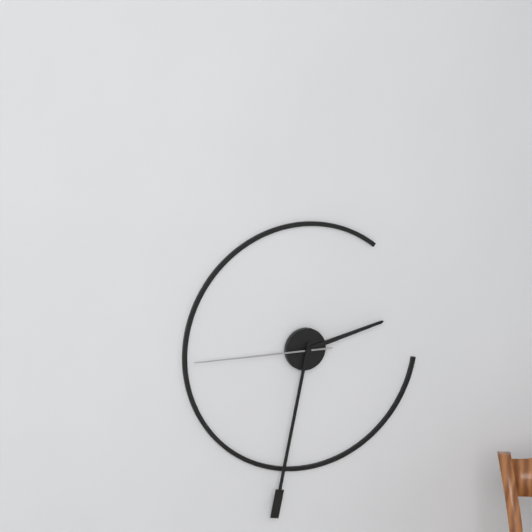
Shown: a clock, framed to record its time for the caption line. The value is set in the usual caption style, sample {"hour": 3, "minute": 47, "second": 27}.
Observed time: {"hour": 2, "minute": 32, "second": 45}
